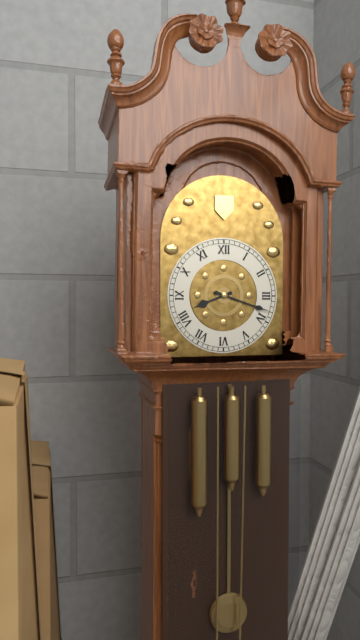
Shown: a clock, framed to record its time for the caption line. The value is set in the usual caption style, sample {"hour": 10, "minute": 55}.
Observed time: {"hour": 8, "minute": 18}
